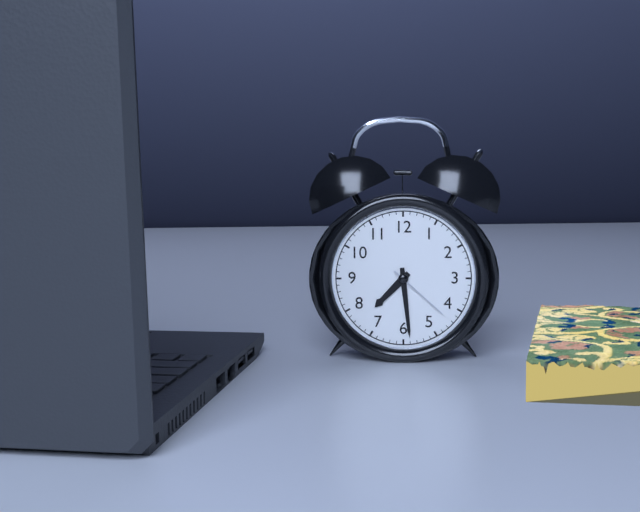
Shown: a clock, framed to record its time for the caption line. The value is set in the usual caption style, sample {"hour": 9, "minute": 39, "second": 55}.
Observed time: {"hour": 7, "minute": 29, "second": 22}
